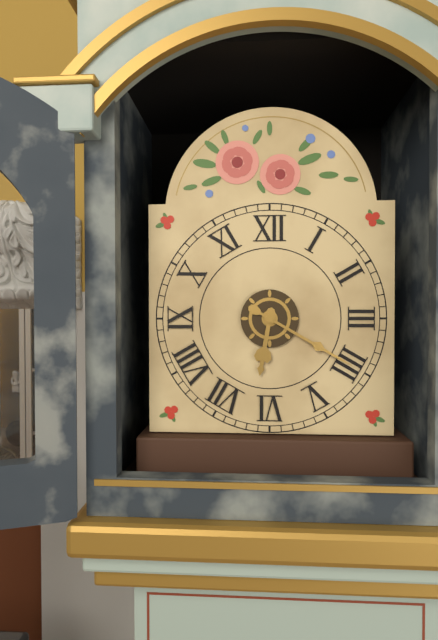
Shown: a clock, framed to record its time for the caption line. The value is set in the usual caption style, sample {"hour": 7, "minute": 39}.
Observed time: {"hour": 6, "minute": 20}
